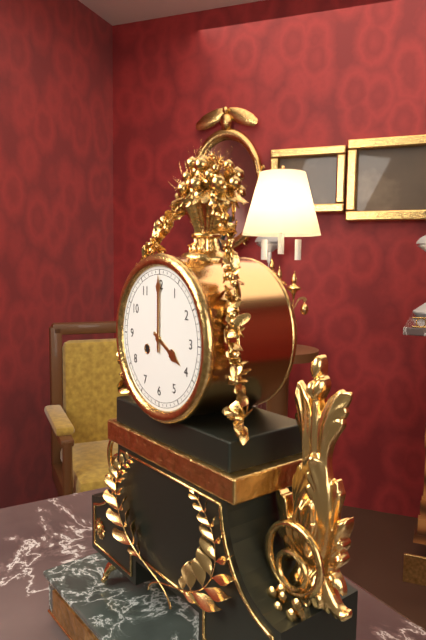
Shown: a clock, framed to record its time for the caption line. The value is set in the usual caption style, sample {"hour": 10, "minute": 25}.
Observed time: {"hour": 4, "minute": 0}
